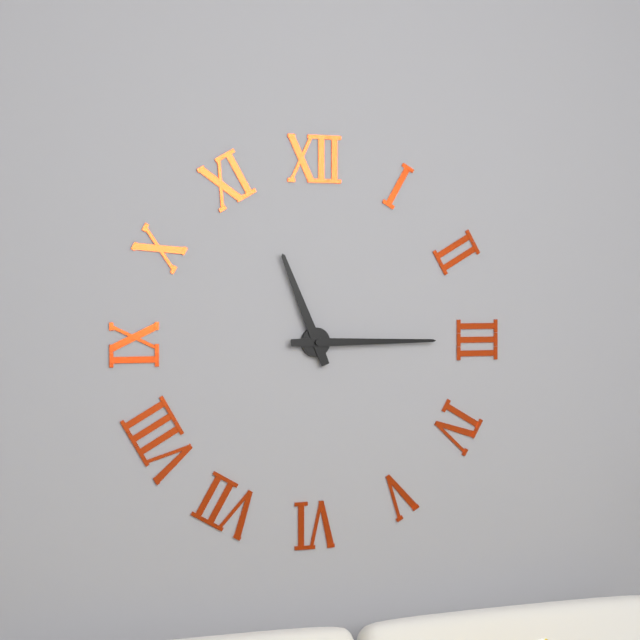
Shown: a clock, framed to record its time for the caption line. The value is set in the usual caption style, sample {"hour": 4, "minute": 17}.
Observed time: {"hour": 11, "minute": 15}
